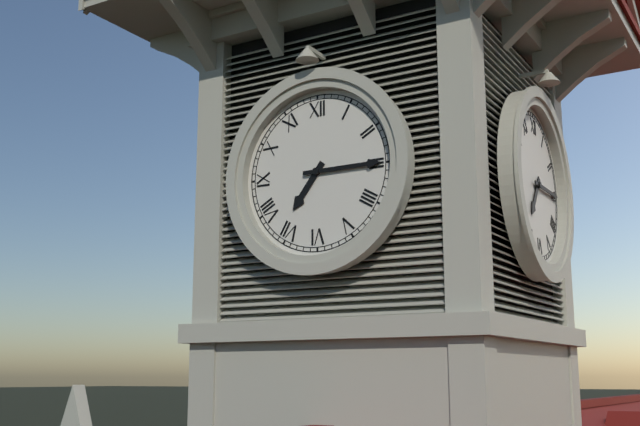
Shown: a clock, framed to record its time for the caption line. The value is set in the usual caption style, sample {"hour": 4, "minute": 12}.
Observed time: {"hour": 7, "minute": 15}
